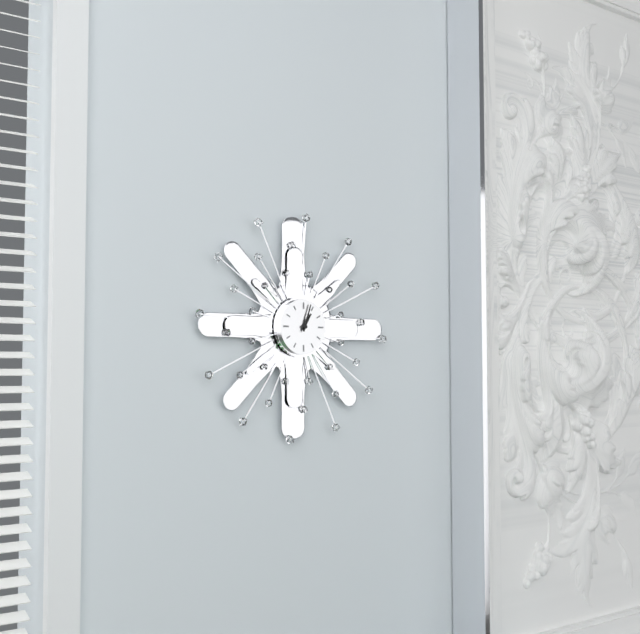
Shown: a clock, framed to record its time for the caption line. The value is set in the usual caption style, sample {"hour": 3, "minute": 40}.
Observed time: {"hour": 1, "minute": 3}
